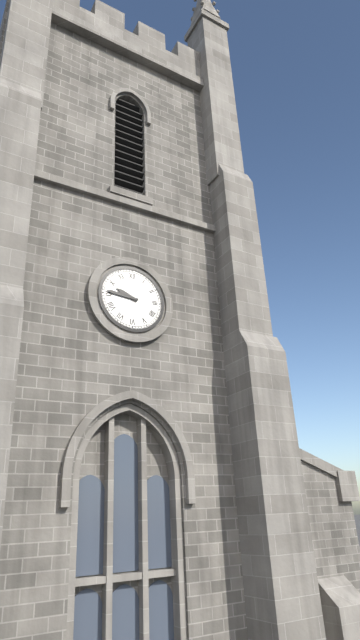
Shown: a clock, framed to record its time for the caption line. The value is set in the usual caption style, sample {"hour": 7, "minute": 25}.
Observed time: {"hour": 9, "minute": 46}
